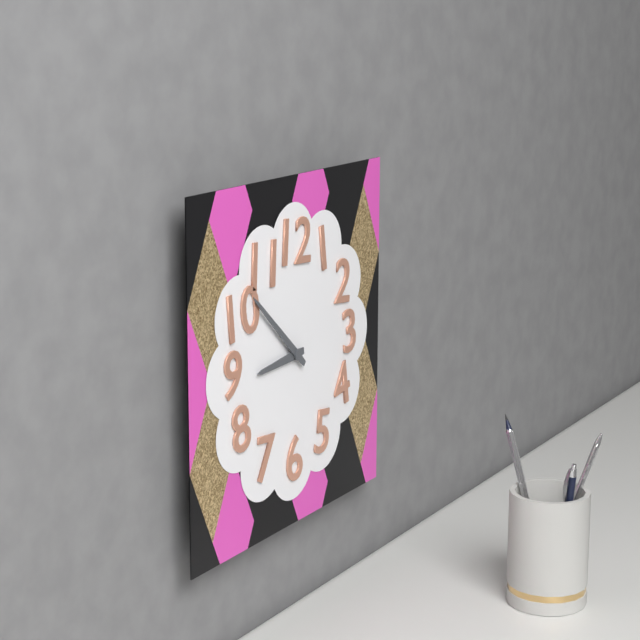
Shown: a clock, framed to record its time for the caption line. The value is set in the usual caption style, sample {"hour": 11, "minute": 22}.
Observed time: {"hour": 8, "minute": 52}
